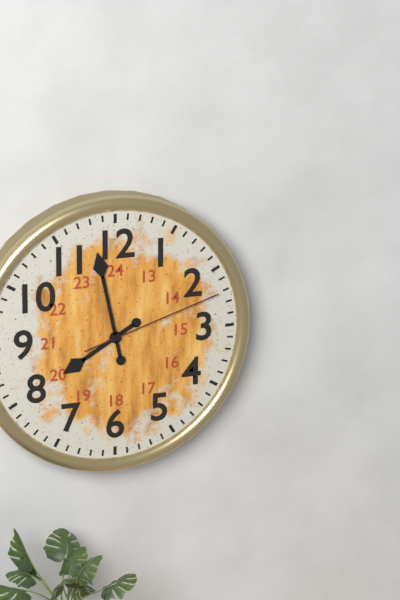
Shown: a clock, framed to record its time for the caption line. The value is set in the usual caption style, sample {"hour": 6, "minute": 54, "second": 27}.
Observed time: {"hour": 7, "minute": 58, "second": 12}
